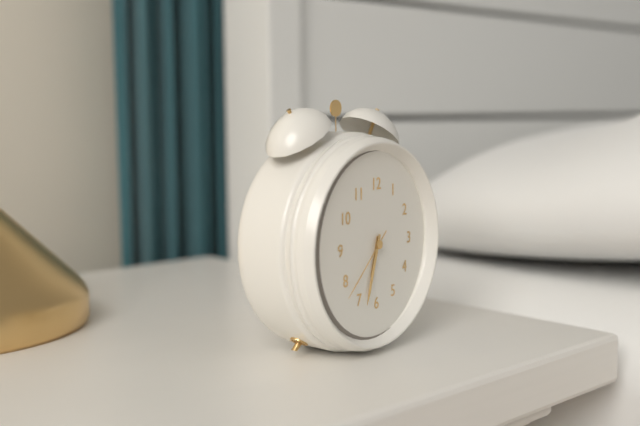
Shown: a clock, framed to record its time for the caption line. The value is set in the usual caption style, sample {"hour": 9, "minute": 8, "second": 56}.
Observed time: {"hour": 6, "minute": 33, "second": 38}
